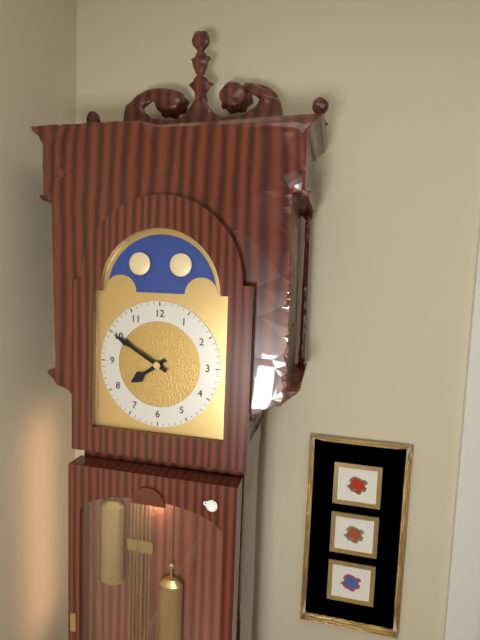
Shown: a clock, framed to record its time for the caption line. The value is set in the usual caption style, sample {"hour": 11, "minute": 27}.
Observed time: {"hour": 7, "minute": 50}
